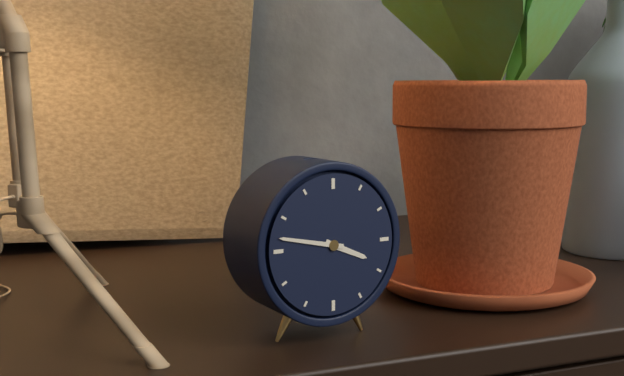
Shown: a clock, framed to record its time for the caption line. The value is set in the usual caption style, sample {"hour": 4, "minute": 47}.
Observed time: {"hour": 3, "minute": 47}
